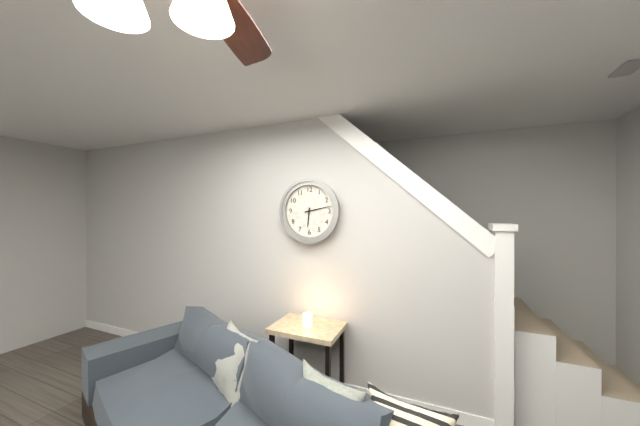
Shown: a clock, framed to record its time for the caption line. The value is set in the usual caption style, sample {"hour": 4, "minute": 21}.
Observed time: {"hour": 6, "minute": 13}
